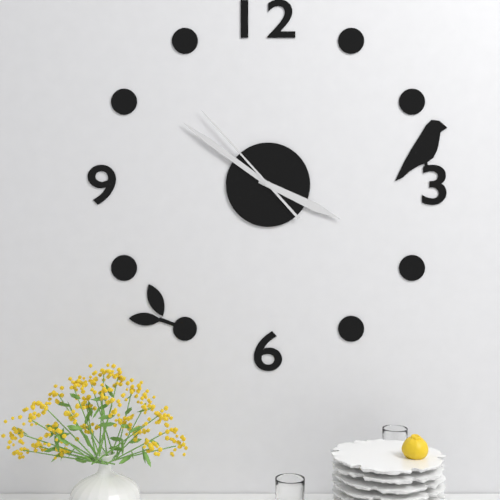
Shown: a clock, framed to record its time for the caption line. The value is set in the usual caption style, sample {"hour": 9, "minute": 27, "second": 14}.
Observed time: {"hour": 3, "minute": 51, "second": 53}
